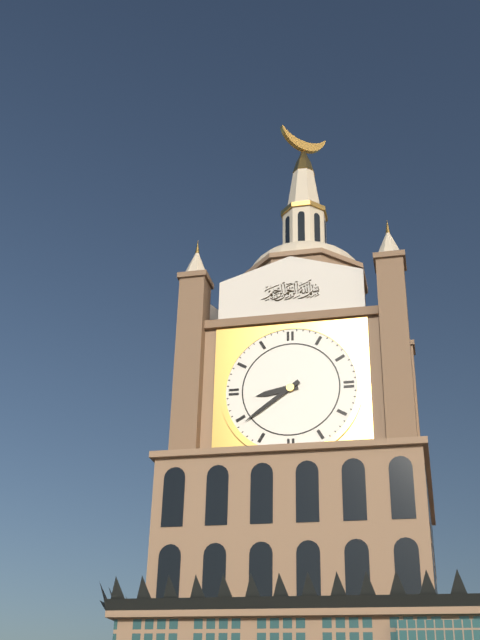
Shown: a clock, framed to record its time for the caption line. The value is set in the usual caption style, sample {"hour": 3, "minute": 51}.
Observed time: {"hour": 8, "minute": 39}
